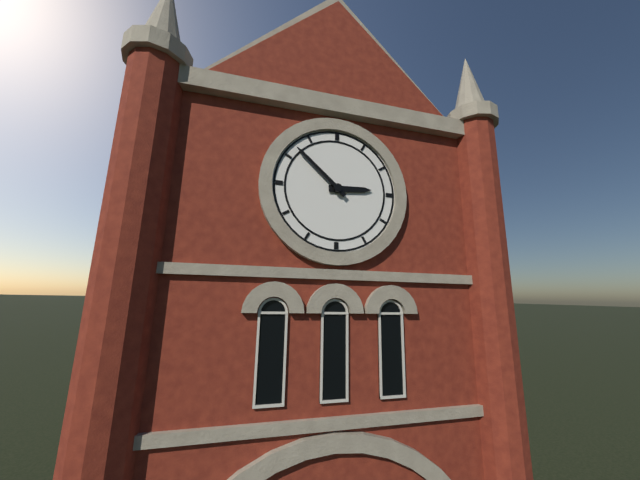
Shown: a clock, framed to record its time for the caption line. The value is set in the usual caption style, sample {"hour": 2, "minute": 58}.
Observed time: {"hour": 2, "minute": 52}
